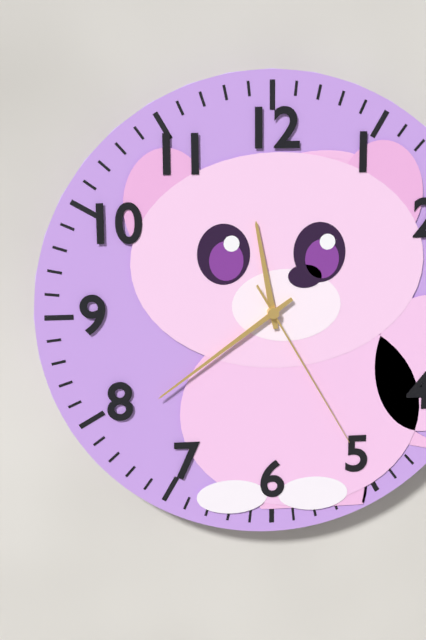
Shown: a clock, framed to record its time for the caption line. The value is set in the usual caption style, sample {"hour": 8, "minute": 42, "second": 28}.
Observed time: {"hour": 11, "minute": 39, "second": 25}
